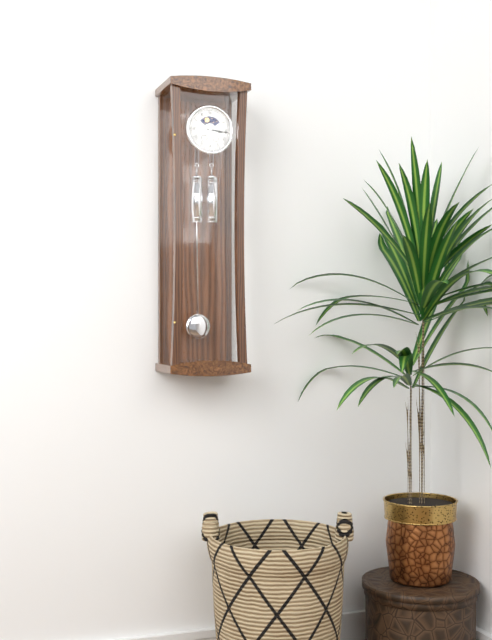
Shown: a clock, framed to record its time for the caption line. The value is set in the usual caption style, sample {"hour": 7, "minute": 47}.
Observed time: {"hour": 3, "minute": 16}
